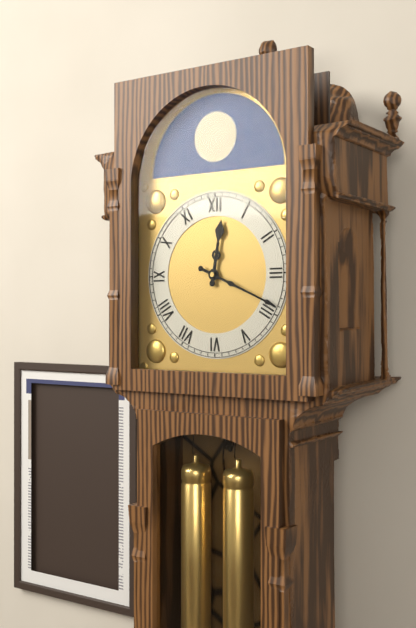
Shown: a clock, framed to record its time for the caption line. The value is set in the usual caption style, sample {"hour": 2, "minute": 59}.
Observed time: {"hour": 12, "minute": 19}
